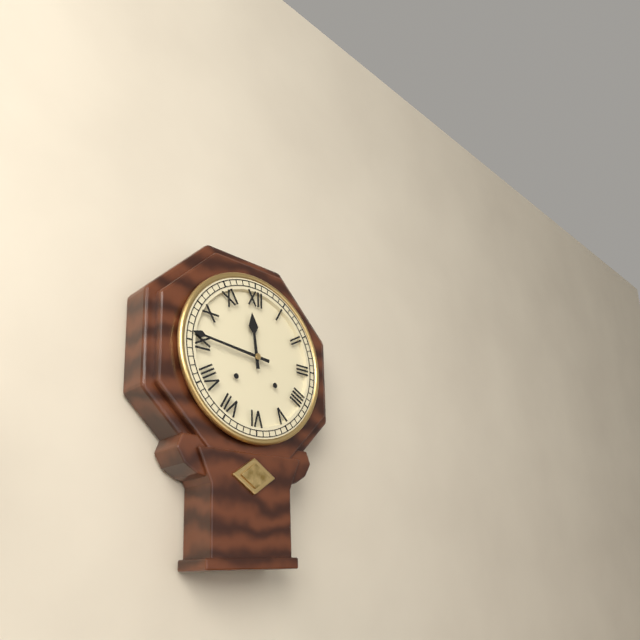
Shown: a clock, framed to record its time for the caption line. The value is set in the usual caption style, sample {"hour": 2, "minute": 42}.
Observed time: {"hour": 11, "minute": 46}
